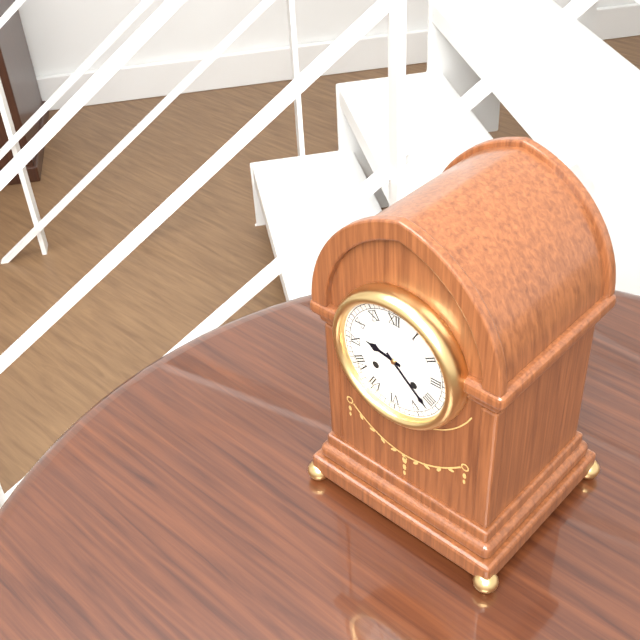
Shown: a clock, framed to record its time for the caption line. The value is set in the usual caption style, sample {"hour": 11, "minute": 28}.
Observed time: {"hour": 9, "minute": 22}
